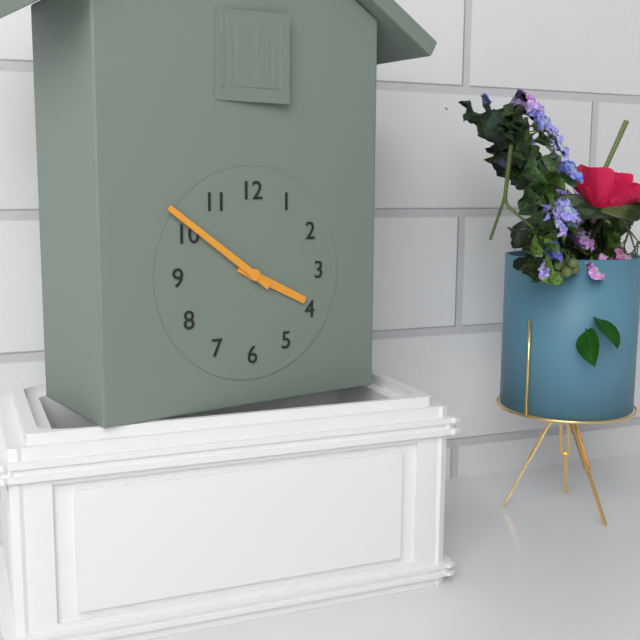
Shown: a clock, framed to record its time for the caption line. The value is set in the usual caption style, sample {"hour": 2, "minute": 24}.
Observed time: {"hour": 3, "minute": 51}
